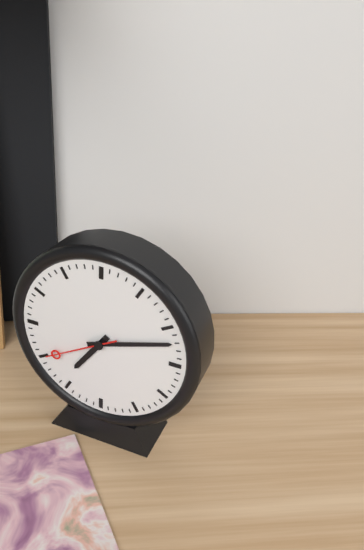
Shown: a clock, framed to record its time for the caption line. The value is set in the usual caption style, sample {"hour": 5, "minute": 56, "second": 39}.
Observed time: {"hour": 7, "minute": 12, "second": 40}
